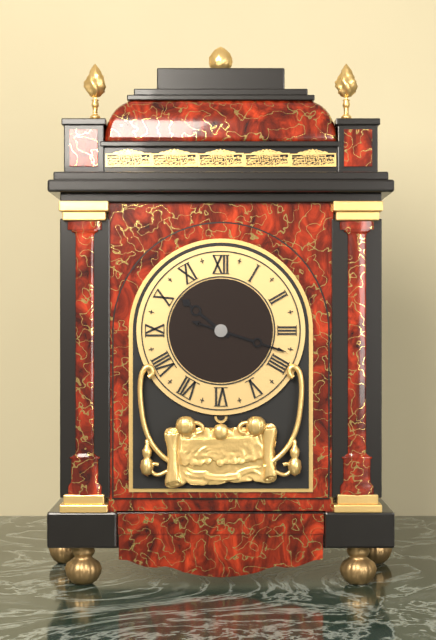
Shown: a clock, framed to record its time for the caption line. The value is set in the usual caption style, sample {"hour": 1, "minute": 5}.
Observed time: {"hour": 10, "minute": 18}
